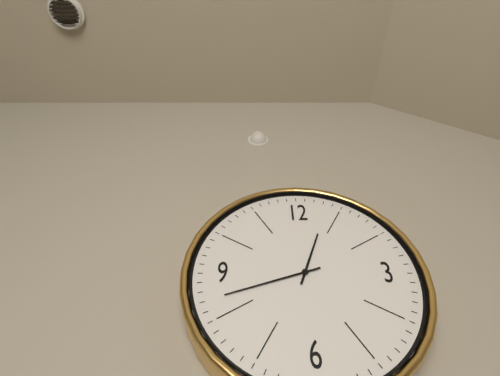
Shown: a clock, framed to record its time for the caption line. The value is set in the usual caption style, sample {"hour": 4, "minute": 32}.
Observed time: {"hour": 12, "minute": 42}
